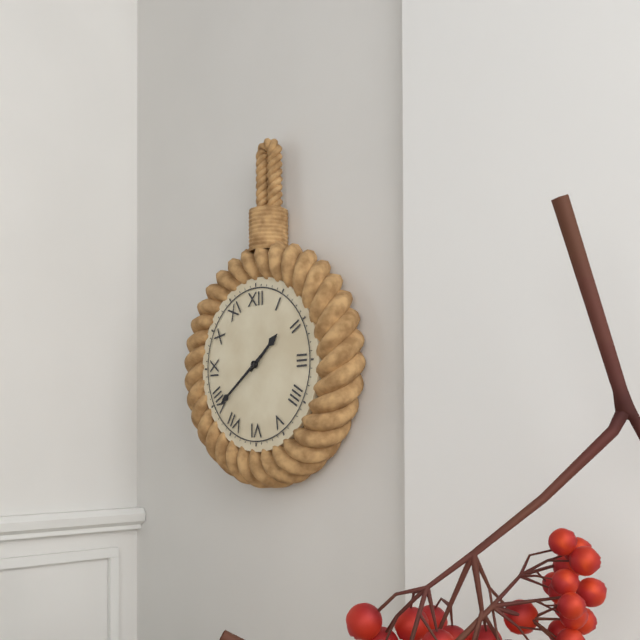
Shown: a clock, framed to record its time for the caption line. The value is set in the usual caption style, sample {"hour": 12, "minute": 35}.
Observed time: {"hour": 1, "minute": 39}
